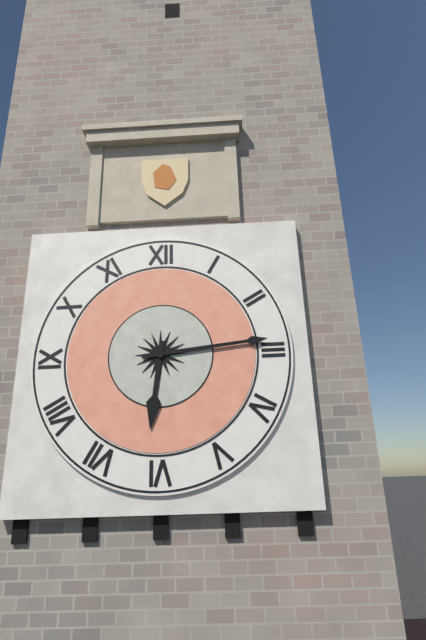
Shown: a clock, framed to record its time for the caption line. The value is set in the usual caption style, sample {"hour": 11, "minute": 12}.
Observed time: {"hour": 6, "minute": 14}
